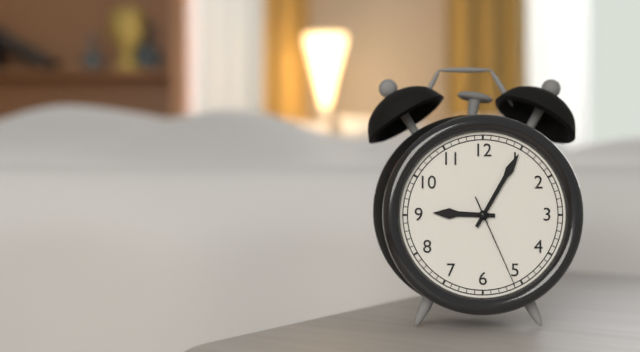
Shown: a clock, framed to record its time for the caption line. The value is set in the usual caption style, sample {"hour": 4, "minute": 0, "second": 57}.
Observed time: {"hour": 9, "minute": 5, "second": 26}
